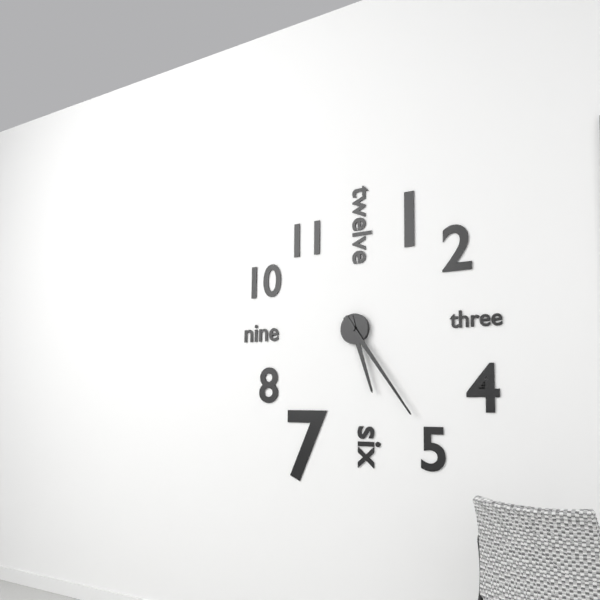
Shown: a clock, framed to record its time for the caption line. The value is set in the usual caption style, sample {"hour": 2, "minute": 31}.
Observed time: {"hour": 5, "minute": 24}
